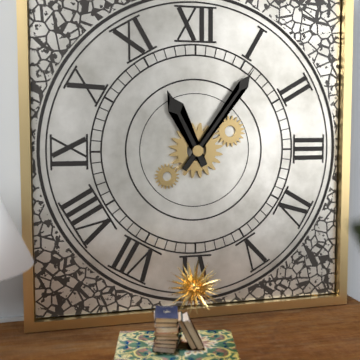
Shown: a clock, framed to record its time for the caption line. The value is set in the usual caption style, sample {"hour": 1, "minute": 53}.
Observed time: {"hour": 11, "minute": 6}
